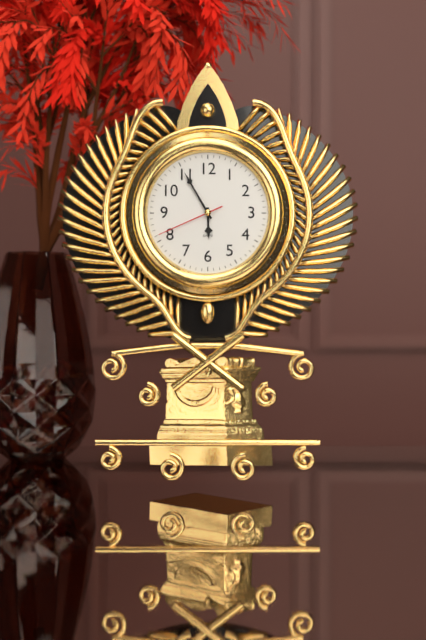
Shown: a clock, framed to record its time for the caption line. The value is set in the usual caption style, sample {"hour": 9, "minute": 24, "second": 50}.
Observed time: {"hour": 5, "minute": 55, "second": 41}
